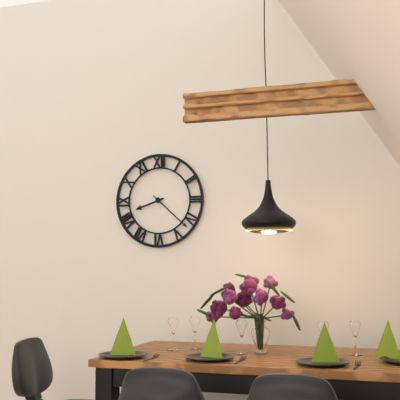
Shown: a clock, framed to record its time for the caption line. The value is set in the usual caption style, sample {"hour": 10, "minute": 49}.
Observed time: {"hour": 8, "minute": 22}
